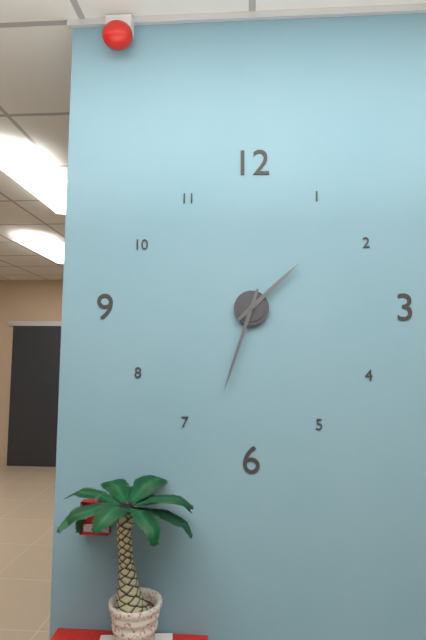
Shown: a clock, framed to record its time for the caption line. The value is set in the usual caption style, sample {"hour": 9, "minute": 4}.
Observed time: {"hour": 1, "minute": 33}
